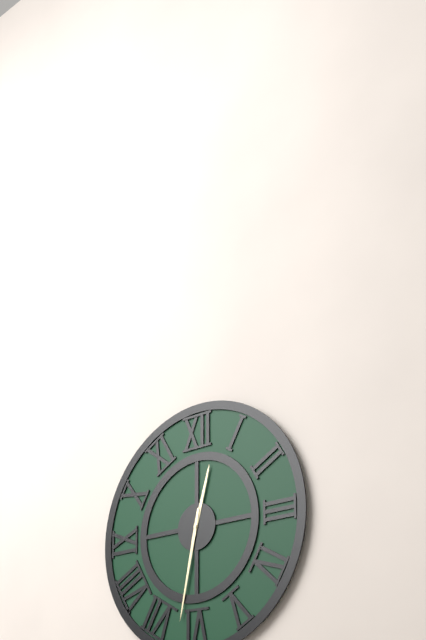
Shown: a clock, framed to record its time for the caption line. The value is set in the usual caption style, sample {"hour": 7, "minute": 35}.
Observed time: {"hour": 12, "minute": 32}
